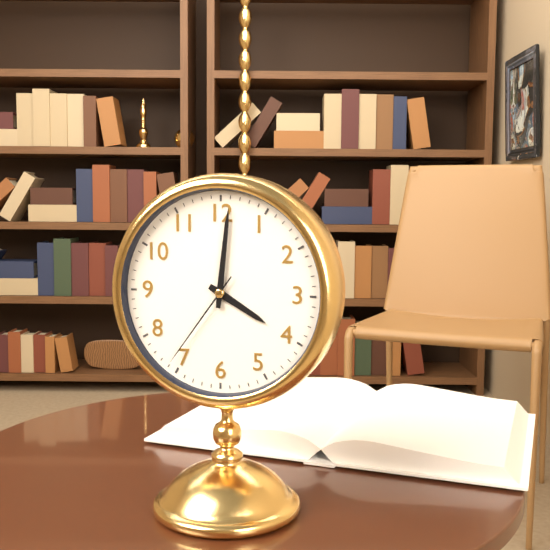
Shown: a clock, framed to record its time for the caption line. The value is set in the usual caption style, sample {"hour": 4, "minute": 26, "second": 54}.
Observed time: {"hour": 4, "minute": 1, "second": 36}
